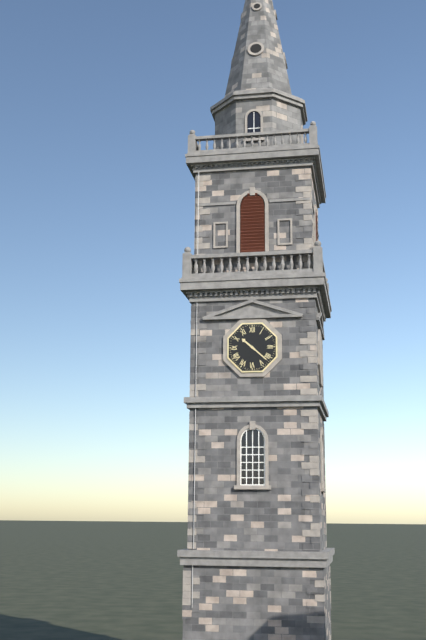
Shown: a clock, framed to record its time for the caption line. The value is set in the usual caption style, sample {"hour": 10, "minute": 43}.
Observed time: {"hour": 10, "minute": 22}
